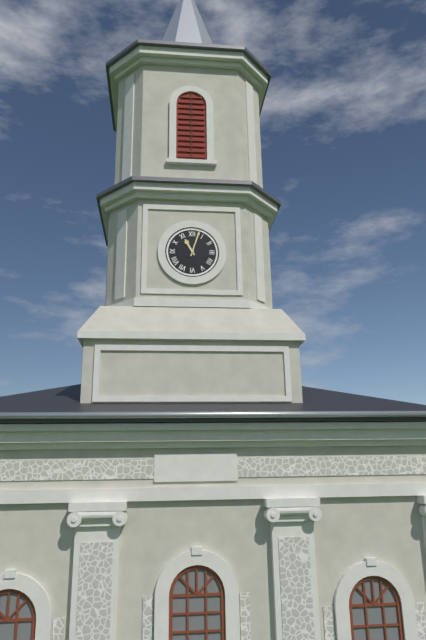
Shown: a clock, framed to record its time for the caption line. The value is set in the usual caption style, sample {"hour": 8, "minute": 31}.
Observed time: {"hour": 11, "minute": 3}
